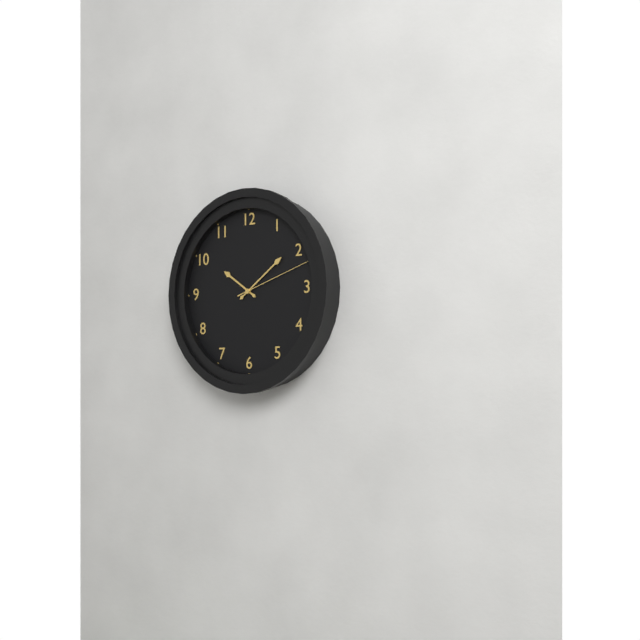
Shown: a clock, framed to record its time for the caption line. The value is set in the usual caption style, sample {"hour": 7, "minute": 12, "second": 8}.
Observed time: {"hour": 10, "minute": 9, "second": 12}
